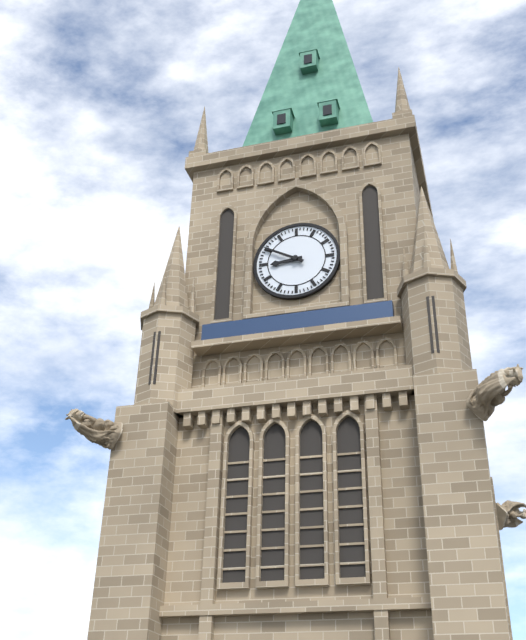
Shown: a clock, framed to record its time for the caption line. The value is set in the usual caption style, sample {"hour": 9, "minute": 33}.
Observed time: {"hour": 8, "minute": 50}
